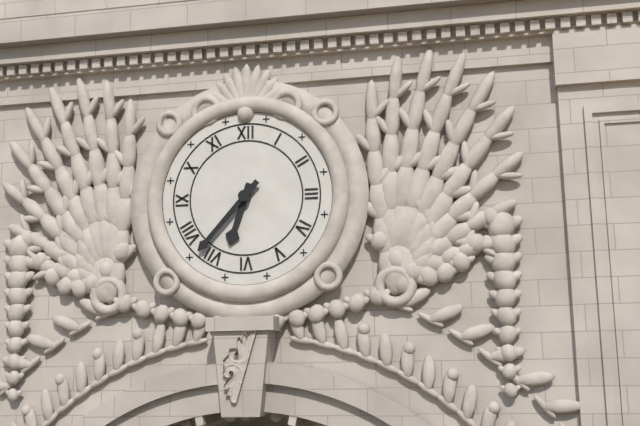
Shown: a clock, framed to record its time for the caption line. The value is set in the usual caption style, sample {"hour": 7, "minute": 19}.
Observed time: {"hour": 6, "minute": 37}
